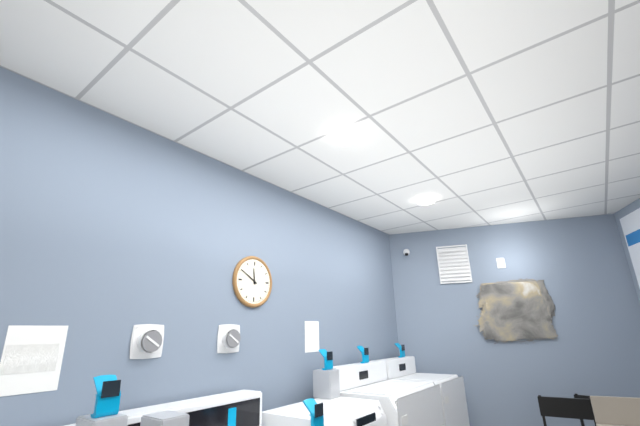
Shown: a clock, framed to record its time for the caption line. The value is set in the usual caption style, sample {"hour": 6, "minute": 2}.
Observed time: {"hour": 11, "minute": 50}
